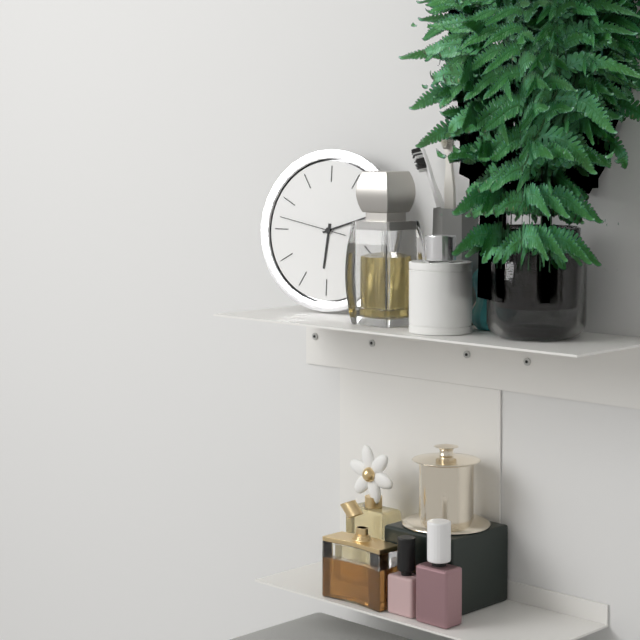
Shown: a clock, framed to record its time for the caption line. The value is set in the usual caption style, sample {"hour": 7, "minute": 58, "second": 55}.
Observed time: {"hour": 6, "minute": 12, "second": 47}
